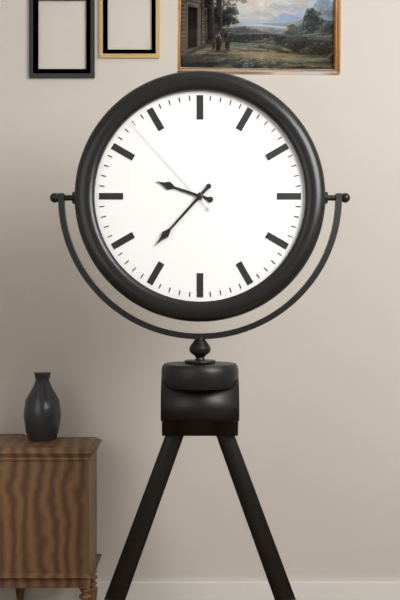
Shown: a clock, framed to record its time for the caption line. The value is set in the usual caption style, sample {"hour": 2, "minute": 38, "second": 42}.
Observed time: {"hour": 9, "minute": 37, "second": 53}
